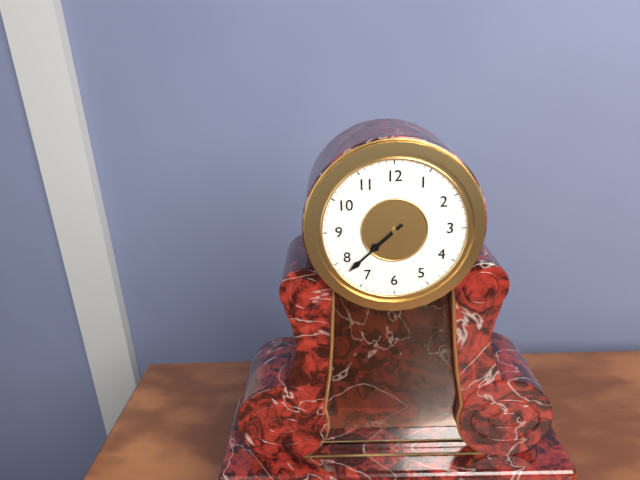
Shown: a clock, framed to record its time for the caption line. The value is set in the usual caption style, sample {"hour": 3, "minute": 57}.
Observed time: {"hour": 7, "minute": 38}
